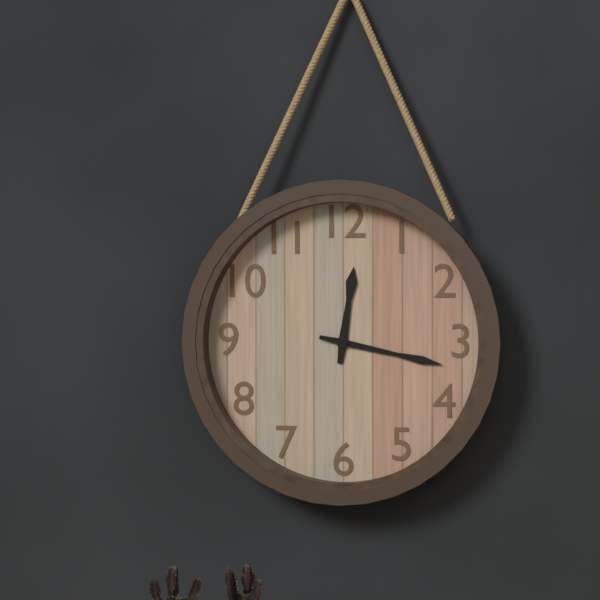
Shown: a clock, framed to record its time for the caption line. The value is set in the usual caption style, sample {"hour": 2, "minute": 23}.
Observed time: {"hour": 12, "minute": 17}
